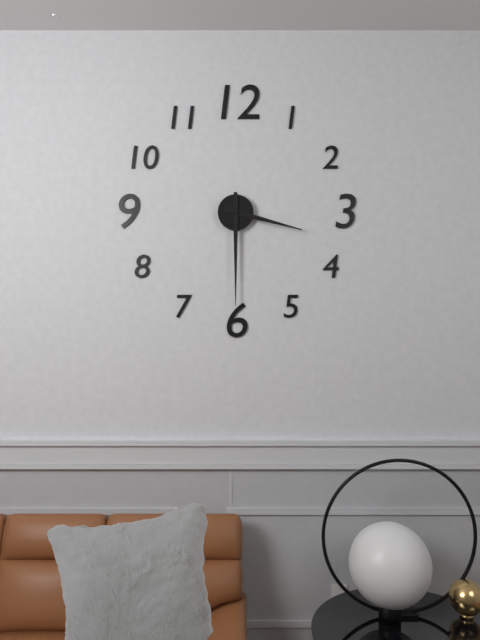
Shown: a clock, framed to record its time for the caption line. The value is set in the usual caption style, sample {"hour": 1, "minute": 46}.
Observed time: {"hour": 3, "minute": 30}
